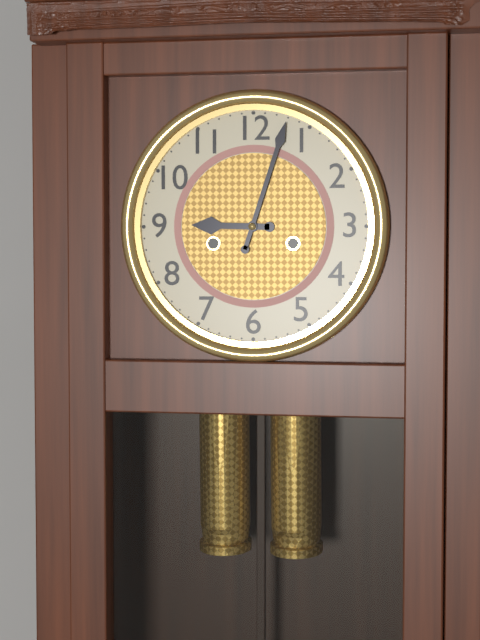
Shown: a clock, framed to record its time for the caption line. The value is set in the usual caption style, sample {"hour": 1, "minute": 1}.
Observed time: {"hour": 9, "minute": 3}
